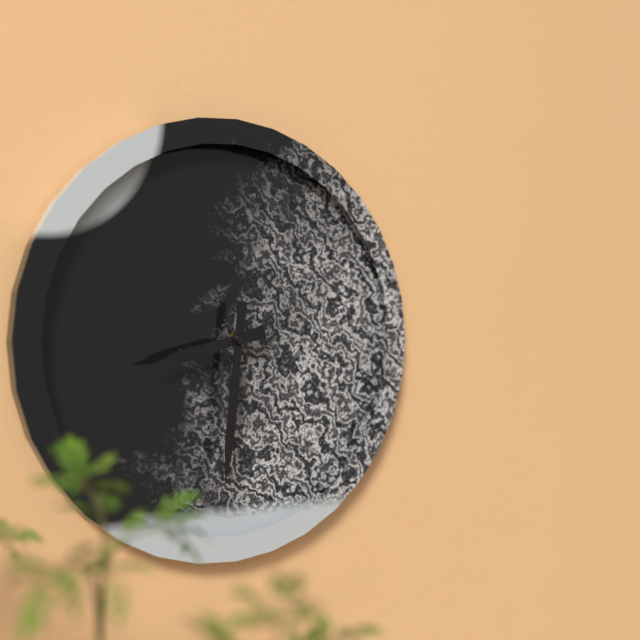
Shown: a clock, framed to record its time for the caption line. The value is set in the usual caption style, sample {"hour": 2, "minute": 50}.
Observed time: {"hour": 8, "minute": 31}
